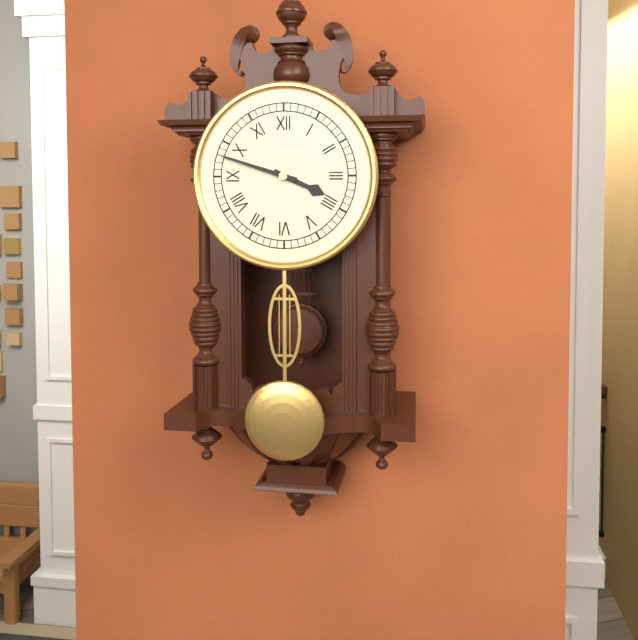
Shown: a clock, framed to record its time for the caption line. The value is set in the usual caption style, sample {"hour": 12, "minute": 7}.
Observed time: {"hour": 3, "minute": 48}
